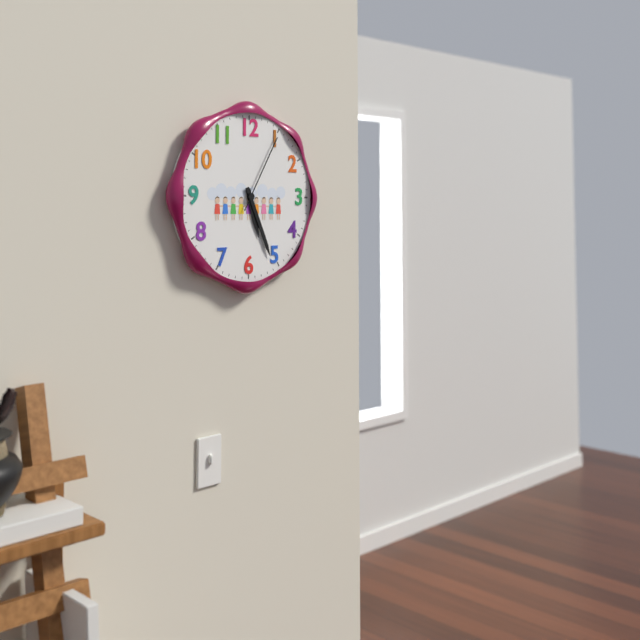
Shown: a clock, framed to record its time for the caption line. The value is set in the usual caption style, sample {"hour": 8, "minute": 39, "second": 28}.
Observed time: {"hour": 5, "minute": 26, "second": 5}
